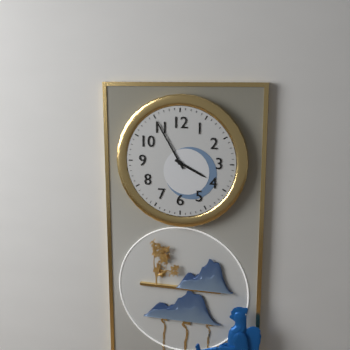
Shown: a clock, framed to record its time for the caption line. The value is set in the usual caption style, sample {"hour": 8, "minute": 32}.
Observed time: {"hour": 3, "minute": 55}
